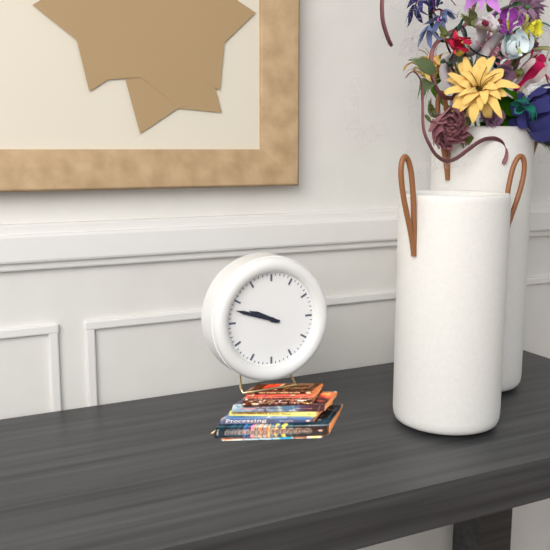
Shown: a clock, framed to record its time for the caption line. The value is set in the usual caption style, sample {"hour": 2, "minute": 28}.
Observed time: {"hour": 9, "minute": 48}
